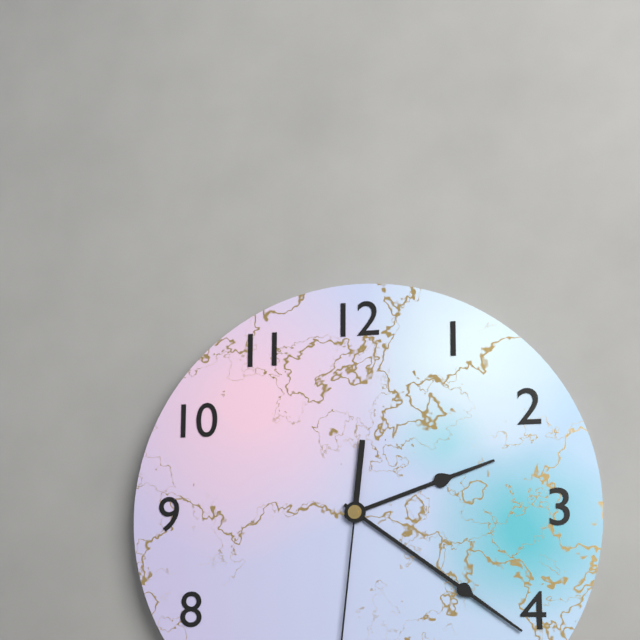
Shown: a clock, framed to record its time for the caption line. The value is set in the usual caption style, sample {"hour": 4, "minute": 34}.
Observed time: {"hour": 2, "minute": 21}
